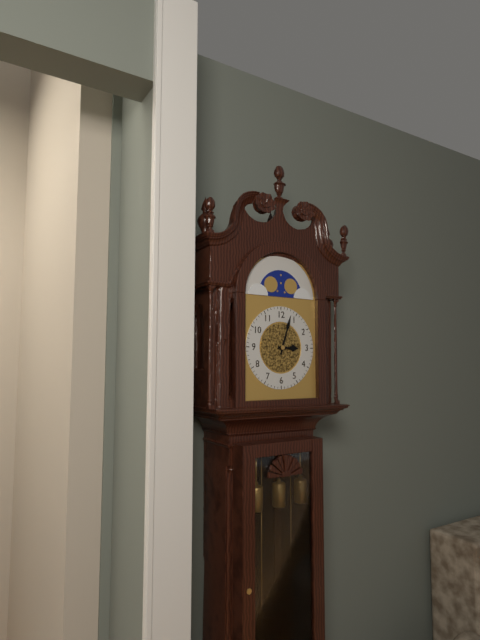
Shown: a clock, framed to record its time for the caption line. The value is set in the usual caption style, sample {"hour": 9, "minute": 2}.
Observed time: {"hour": 3, "minute": 3}
